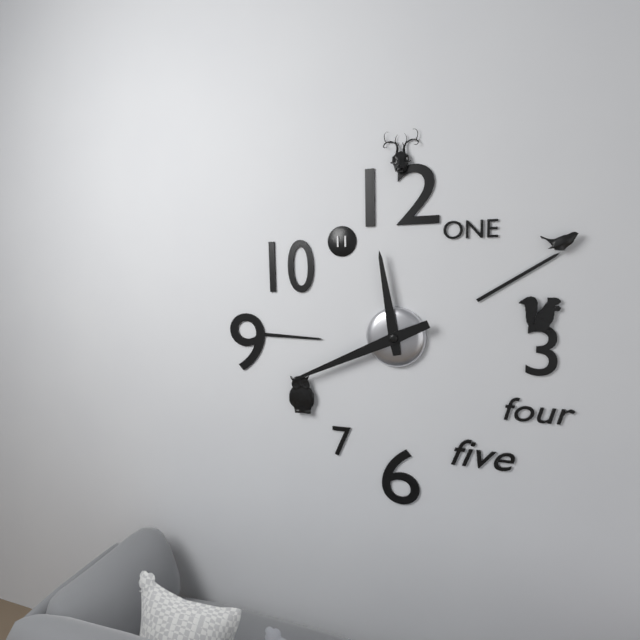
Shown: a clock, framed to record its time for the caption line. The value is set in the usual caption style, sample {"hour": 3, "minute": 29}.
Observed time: {"hour": 11, "minute": 41}
